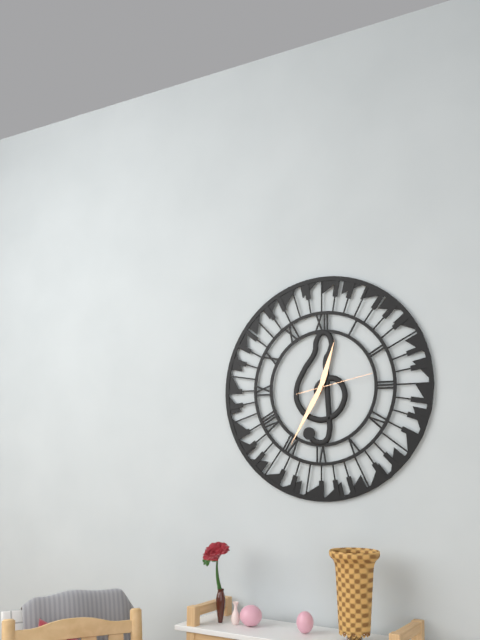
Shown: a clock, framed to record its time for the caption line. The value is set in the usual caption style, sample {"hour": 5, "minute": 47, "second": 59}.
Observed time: {"hour": 12, "minute": 35, "second": 13}
